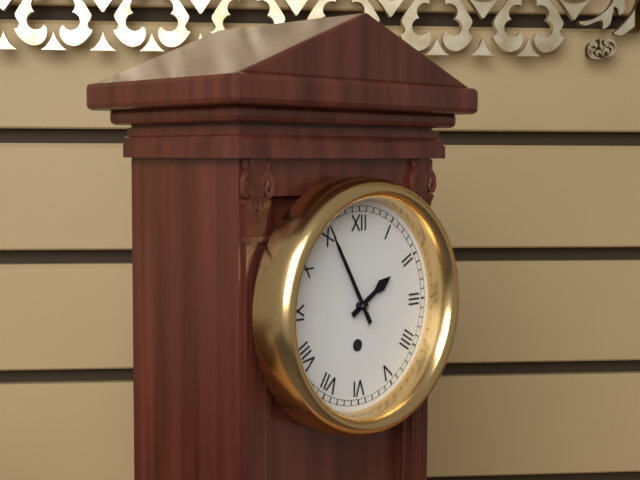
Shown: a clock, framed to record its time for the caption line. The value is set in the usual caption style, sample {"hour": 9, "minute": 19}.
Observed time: {"hour": 1, "minute": 55}
